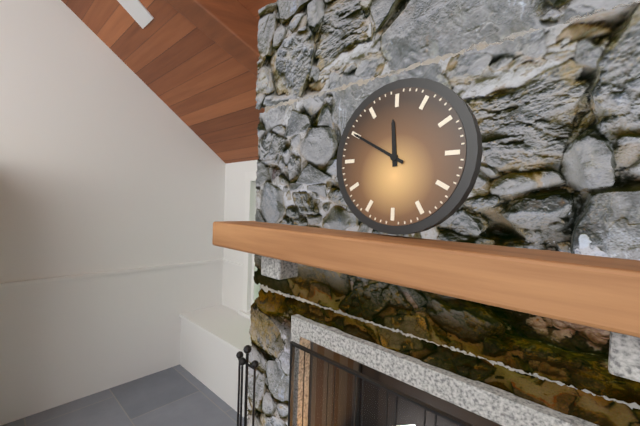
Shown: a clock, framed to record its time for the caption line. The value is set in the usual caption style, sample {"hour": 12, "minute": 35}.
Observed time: {"hour": 11, "minute": 50}
